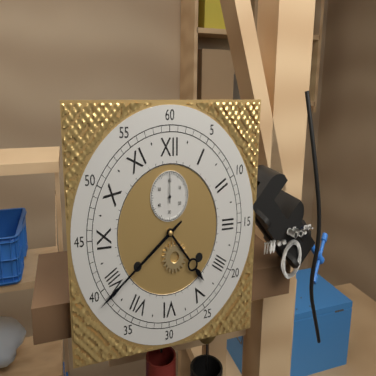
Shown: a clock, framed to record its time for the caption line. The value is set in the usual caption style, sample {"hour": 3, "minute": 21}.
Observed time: {"hour": 4, "minute": 39}
